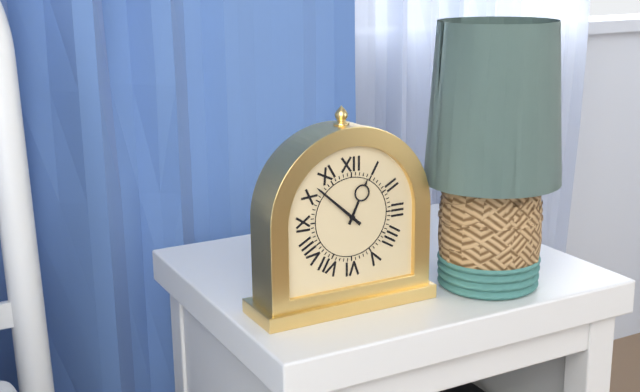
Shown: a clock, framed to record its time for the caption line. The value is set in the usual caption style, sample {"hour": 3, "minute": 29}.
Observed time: {"hour": 12, "minute": 52}
